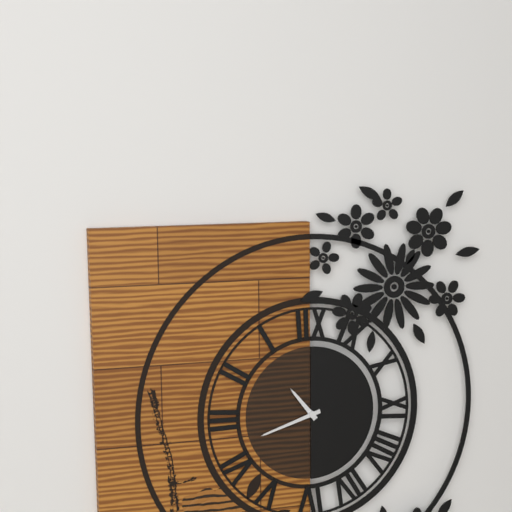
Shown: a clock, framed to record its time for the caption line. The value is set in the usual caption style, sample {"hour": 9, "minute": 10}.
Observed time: {"hour": 10, "minute": 42}
